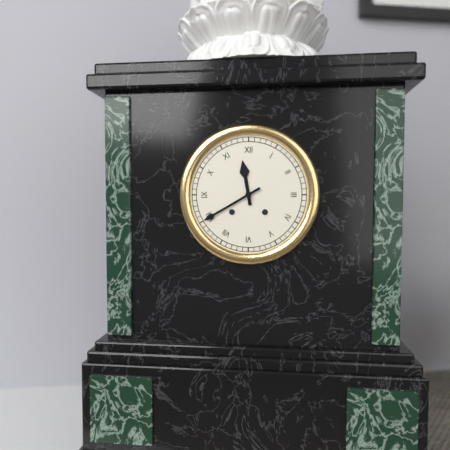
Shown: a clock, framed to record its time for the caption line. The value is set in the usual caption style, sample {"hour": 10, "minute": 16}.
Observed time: {"hour": 11, "minute": 40}
